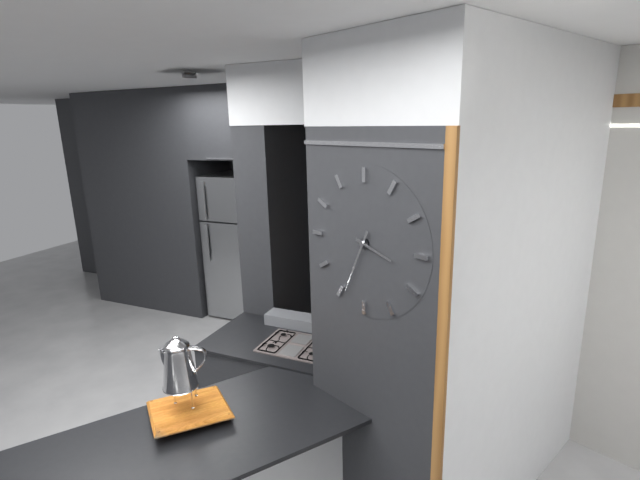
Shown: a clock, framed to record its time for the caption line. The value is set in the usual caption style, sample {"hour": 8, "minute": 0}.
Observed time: {"hour": 3, "minute": 34}
